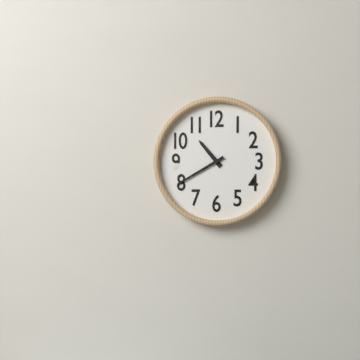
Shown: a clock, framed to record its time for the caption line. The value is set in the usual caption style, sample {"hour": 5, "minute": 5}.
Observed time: {"hour": 10, "minute": 40}
